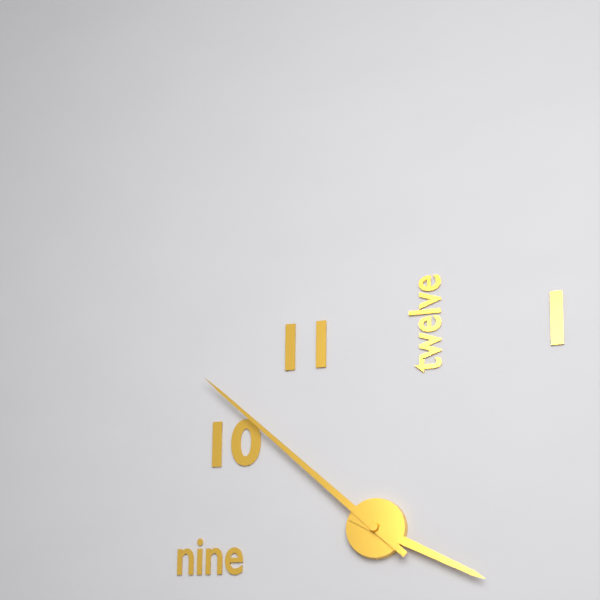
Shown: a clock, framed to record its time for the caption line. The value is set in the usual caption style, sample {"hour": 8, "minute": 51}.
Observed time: {"hour": 3, "minute": 52}
